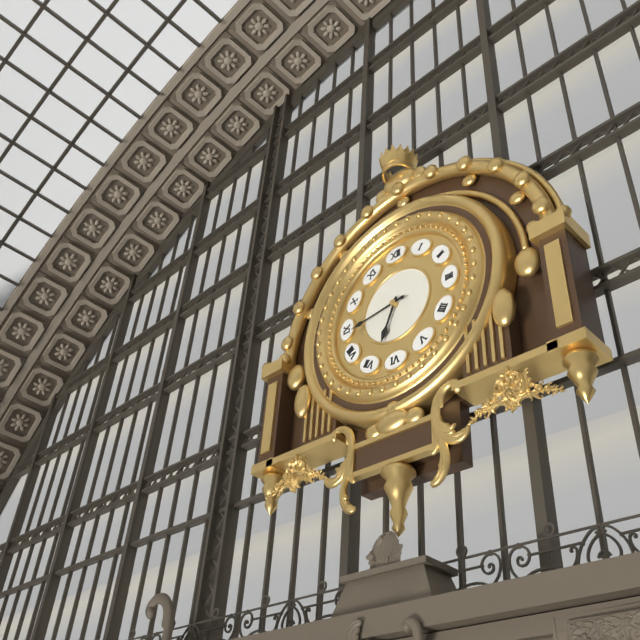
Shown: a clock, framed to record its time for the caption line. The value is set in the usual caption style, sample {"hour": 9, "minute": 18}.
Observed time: {"hour": 6, "minute": 44}
